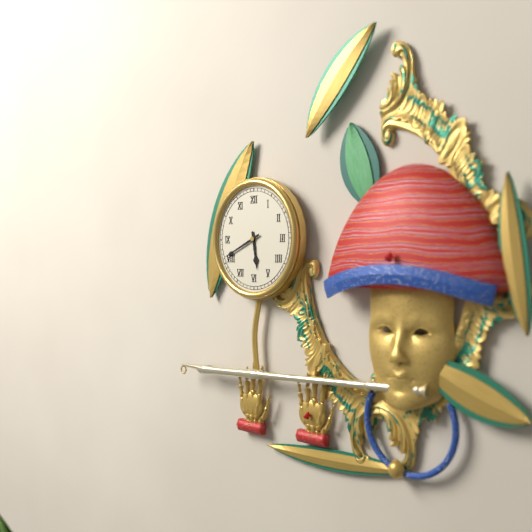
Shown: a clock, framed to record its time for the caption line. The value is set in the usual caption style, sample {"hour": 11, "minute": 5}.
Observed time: {"hour": 5, "minute": 41}
